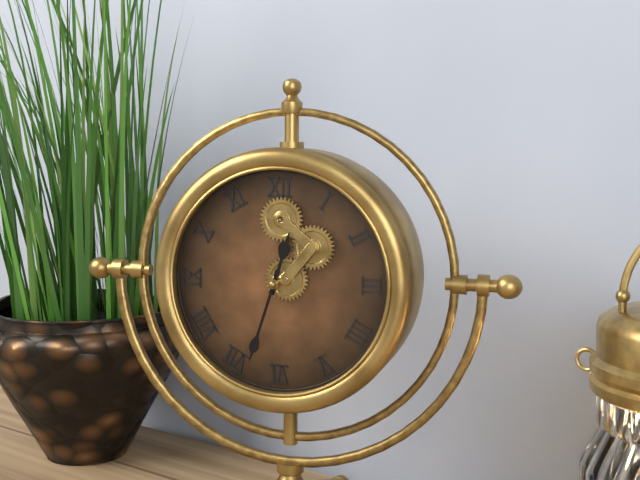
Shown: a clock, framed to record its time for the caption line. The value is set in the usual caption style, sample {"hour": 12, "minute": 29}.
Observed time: {"hour": 12, "minute": 33}
